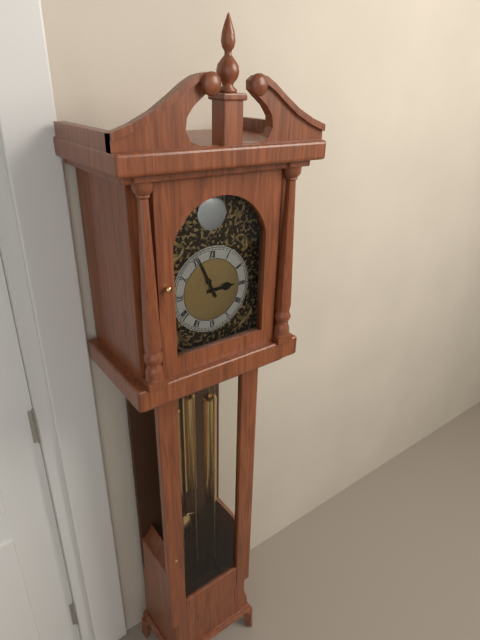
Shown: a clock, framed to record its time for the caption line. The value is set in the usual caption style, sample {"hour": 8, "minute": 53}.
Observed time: {"hour": 2, "minute": 56}
